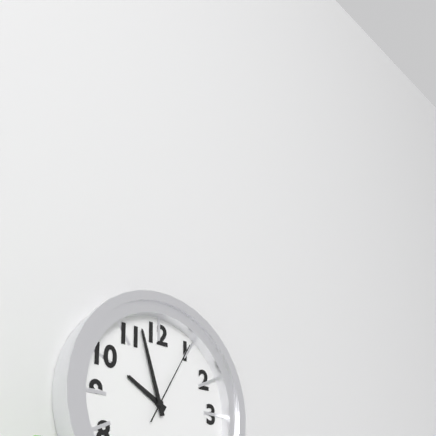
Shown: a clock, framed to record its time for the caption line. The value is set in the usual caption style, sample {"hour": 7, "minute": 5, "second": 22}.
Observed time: {"hour": 9, "minute": 57, "second": 5}
